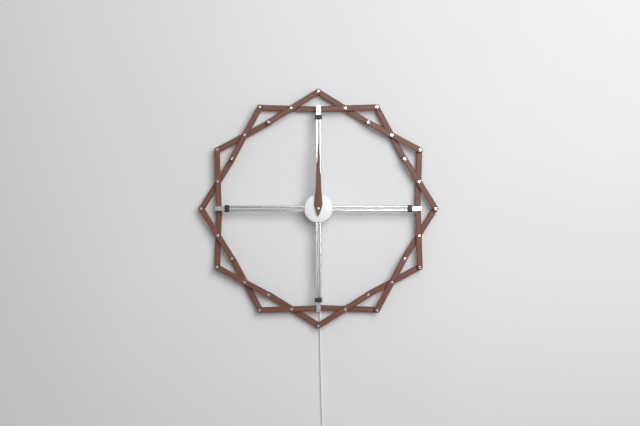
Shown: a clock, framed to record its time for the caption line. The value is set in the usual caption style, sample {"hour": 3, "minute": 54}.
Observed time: {"hour": 12, "minute": 0}
